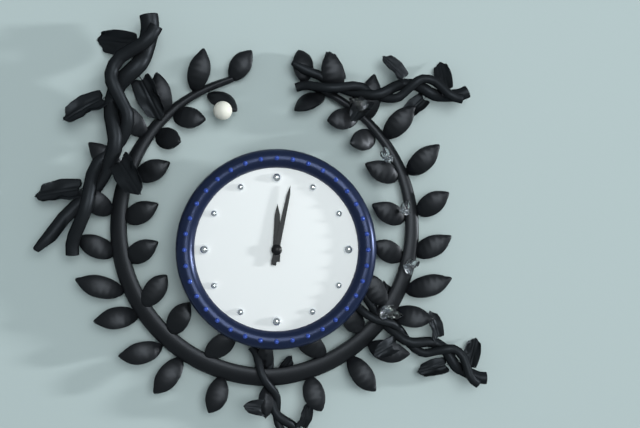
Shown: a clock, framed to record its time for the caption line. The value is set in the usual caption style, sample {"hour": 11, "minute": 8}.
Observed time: {"hour": 12, "minute": 2}
